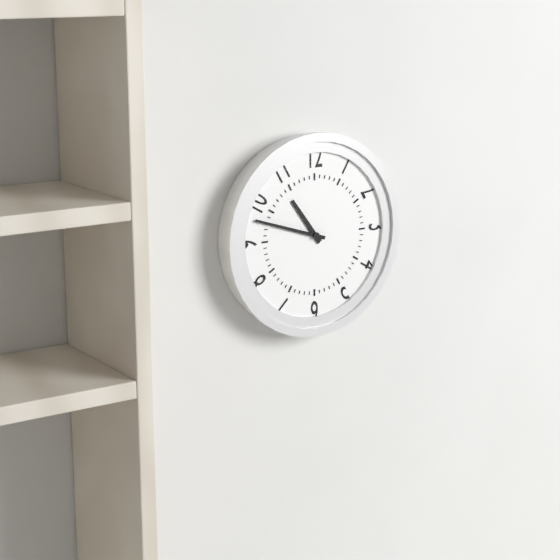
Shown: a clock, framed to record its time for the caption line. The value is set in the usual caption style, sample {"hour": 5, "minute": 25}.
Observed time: {"hour": 10, "minute": 48}
